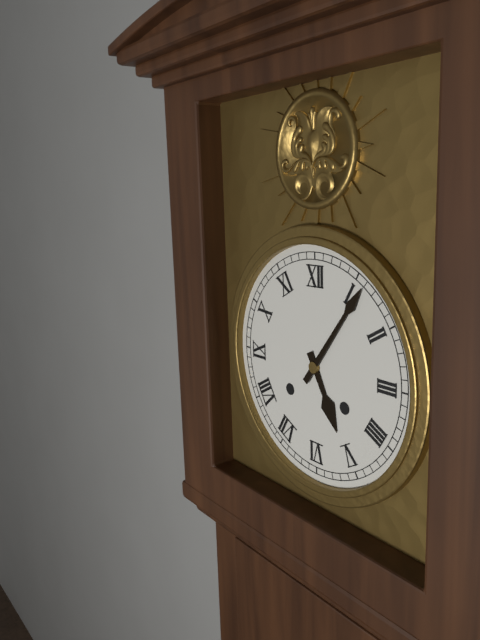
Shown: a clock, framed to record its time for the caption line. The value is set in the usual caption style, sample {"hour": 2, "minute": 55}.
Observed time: {"hour": 5, "minute": 6}
